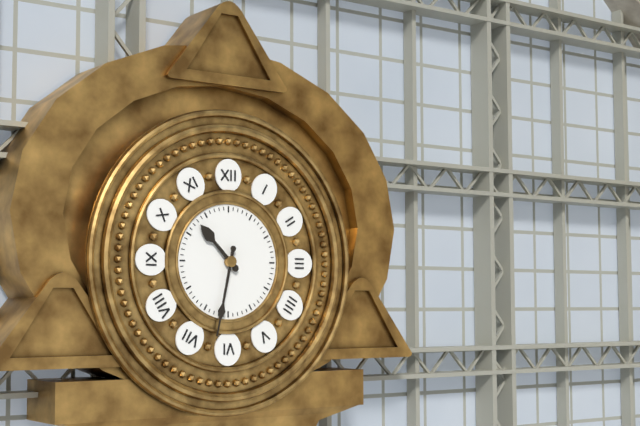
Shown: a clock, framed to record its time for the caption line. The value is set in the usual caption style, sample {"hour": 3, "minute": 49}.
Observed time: {"hour": 10, "minute": 32}
